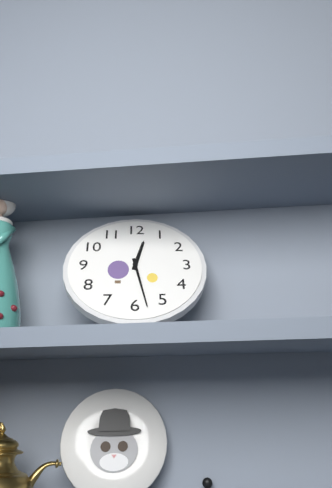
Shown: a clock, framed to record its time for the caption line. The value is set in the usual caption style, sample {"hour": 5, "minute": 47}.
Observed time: {"hour": 12, "minute": 28}
